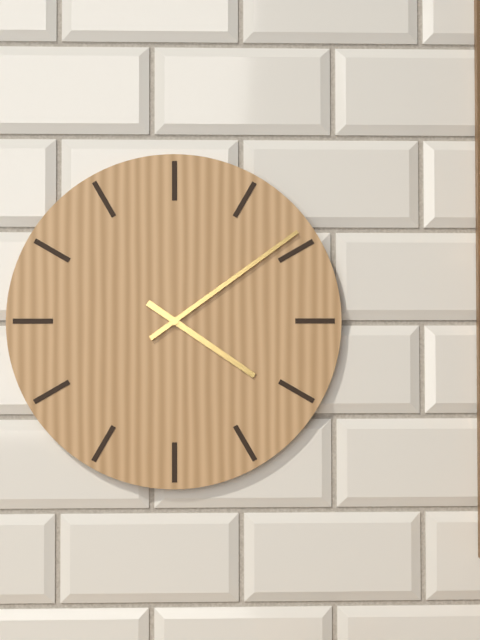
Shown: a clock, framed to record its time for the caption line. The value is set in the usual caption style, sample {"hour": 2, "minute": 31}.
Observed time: {"hour": 4, "minute": 9}
